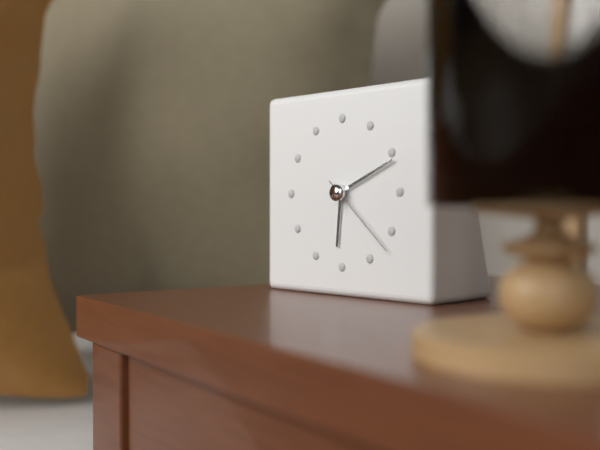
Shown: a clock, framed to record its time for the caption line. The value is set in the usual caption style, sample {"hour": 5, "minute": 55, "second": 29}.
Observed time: {"hour": 6, "minute": 11, "second": 22}
